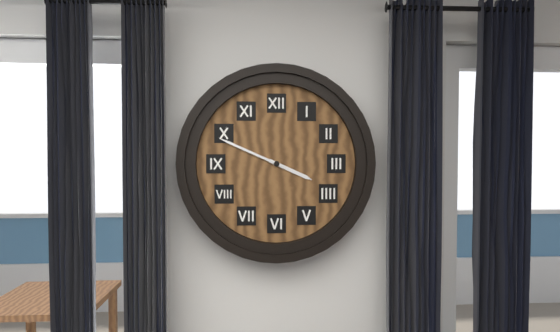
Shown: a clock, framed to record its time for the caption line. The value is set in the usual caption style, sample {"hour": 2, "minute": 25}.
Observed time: {"hour": 3, "minute": 49}
